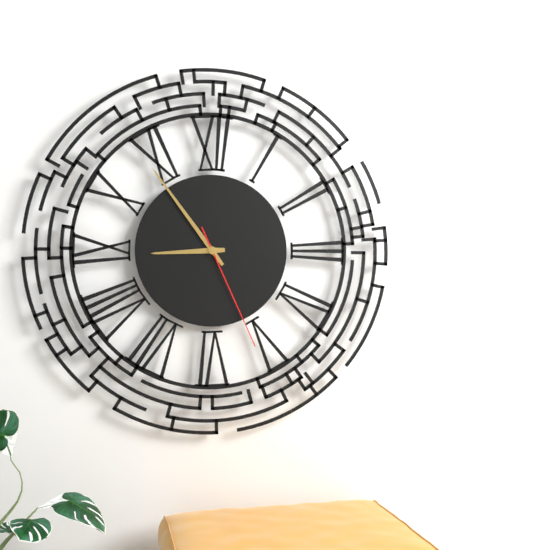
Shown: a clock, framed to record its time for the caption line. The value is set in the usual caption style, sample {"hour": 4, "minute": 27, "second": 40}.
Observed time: {"hour": 8, "minute": 54, "second": 26}
